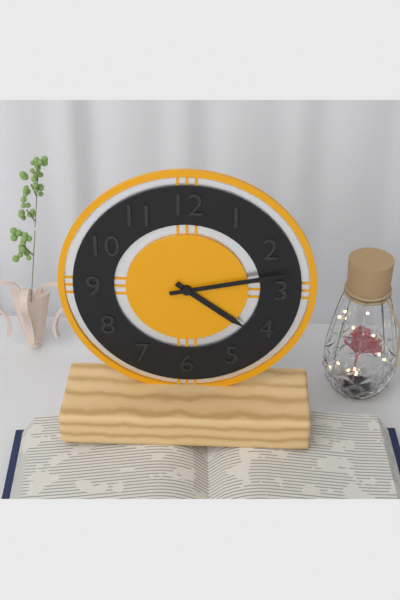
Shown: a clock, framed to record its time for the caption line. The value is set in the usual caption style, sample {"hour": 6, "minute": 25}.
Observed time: {"hour": 4, "minute": 13}
